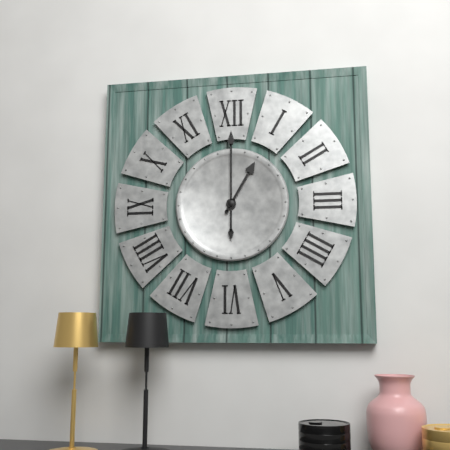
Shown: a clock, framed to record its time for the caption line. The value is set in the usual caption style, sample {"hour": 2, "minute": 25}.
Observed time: {"hour": 1, "minute": 0}
